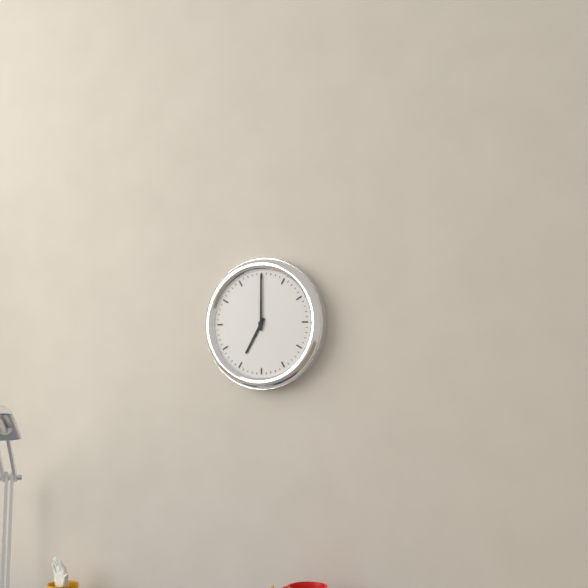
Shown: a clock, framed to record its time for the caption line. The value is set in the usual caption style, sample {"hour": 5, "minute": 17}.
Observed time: {"hour": 7, "minute": 0}
